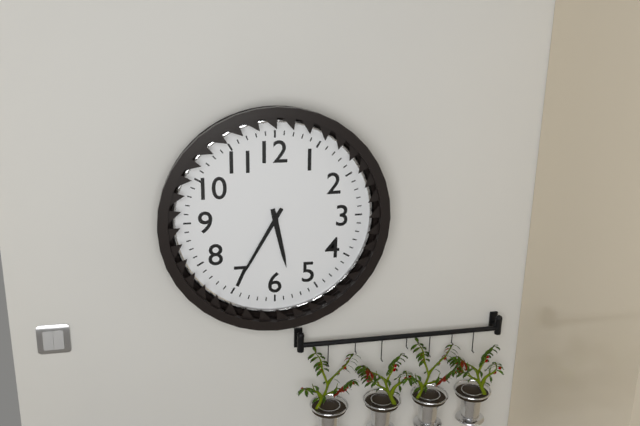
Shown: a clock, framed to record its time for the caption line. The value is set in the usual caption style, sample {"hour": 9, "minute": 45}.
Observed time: {"hour": 5, "minute": 35}
